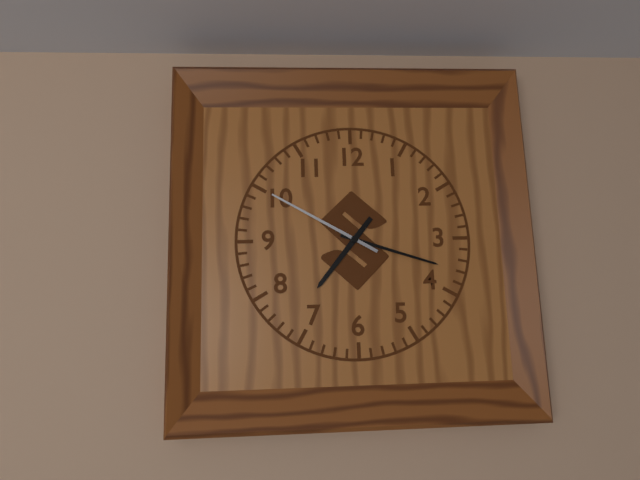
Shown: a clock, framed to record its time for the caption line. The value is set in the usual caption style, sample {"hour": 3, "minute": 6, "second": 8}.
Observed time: {"hour": 7, "minute": 18, "second": 50}
